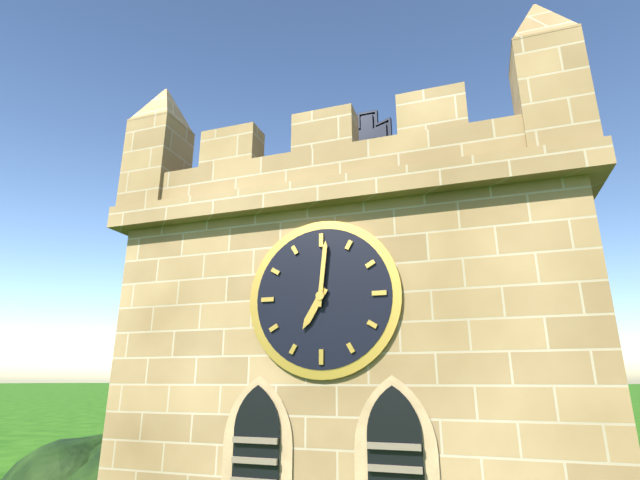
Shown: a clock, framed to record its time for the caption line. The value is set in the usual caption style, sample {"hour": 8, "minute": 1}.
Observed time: {"hour": 7, "minute": 1}
